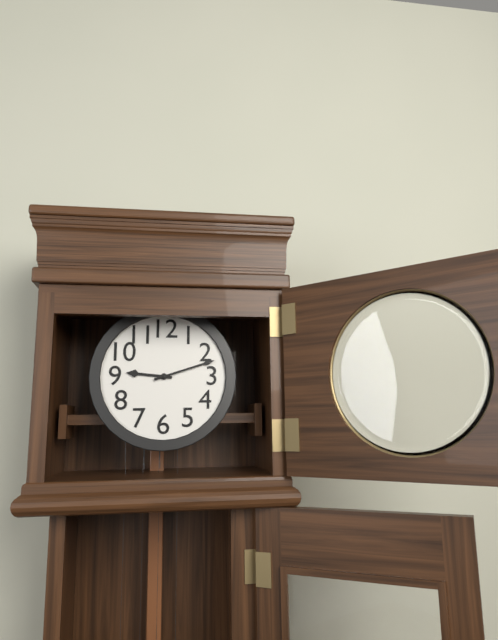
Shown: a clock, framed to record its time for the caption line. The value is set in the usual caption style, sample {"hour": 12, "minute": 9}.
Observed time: {"hour": 9, "minute": 12}
